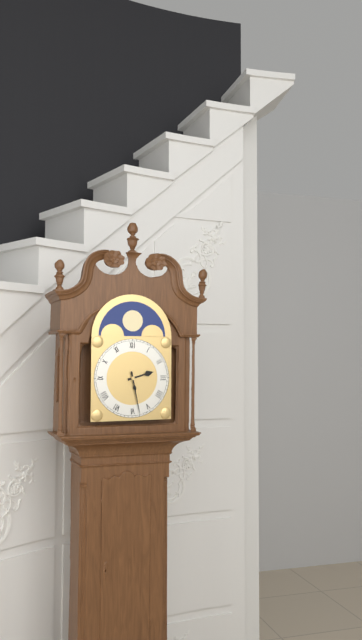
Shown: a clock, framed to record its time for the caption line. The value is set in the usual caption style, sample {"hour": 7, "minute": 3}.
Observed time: {"hour": 2, "minute": 28}
